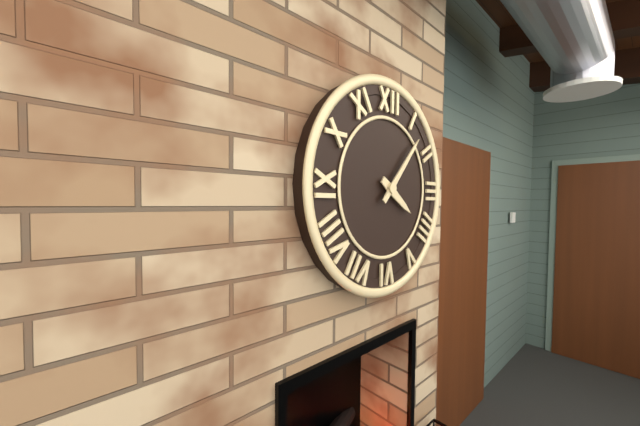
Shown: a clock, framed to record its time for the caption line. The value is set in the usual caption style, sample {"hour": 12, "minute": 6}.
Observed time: {"hour": 4, "minute": 7}
